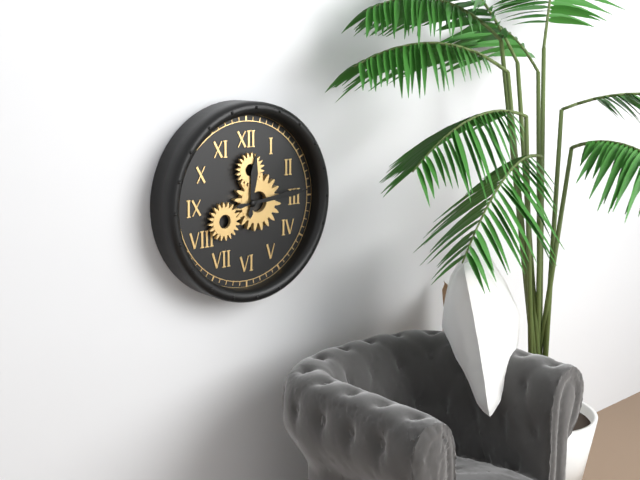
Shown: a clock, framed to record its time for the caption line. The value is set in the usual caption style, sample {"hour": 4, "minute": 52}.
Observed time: {"hour": 12, "minute": 14}
